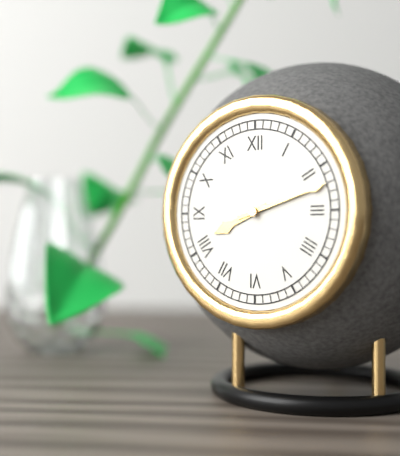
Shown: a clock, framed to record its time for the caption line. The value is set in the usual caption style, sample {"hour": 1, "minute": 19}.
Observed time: {"hour": 8, "minute": 12}
